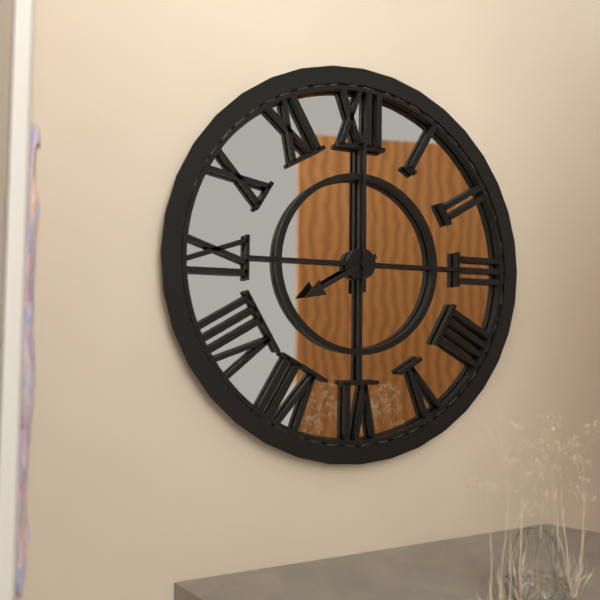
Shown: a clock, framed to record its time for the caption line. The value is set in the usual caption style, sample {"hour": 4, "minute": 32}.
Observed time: {"hour": 8, "minute": 0}
